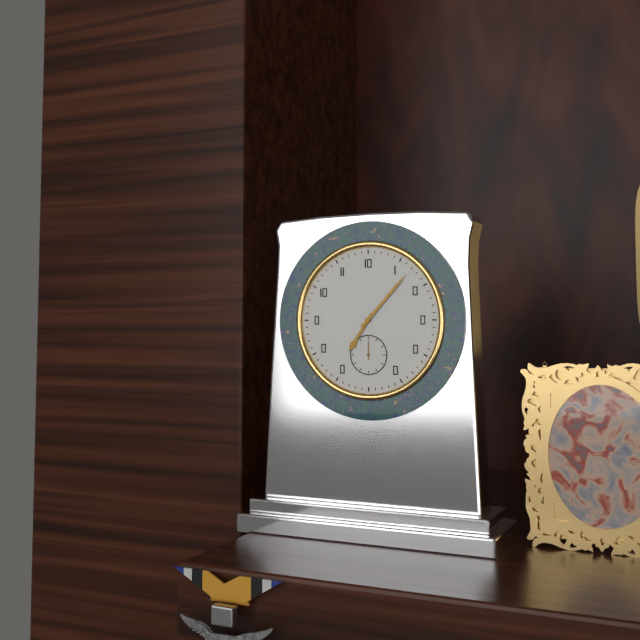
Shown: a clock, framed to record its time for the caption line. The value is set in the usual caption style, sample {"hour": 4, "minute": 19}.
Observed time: {"hour": 7, "minute": 7}
